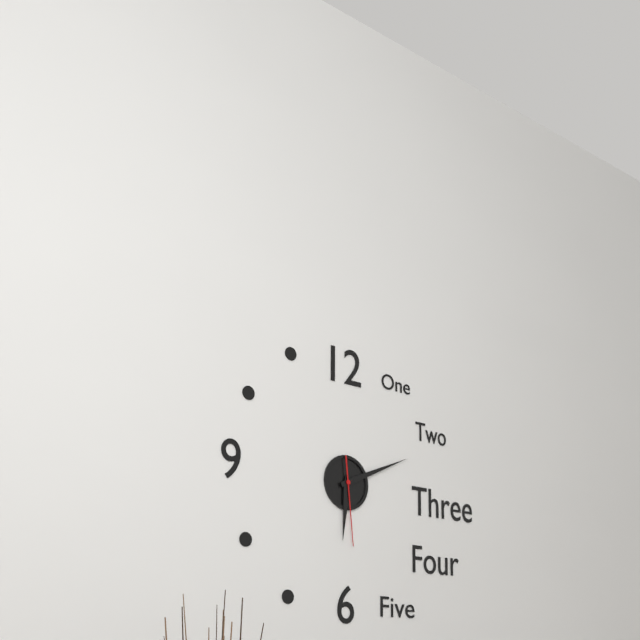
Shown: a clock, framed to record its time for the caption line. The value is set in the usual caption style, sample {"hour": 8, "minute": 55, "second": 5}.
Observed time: {"hour": 6, "minute": 11, "second": 29}
